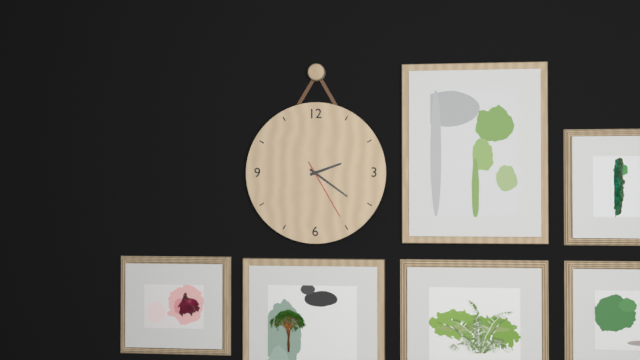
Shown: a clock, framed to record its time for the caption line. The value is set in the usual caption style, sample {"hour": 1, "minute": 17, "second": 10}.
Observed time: {"hour": 2, "minute": 21, "second": 25}
